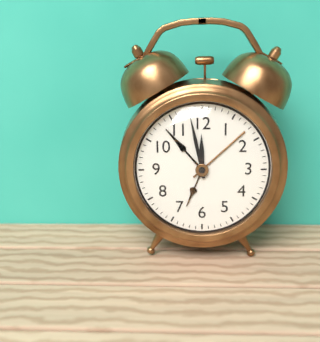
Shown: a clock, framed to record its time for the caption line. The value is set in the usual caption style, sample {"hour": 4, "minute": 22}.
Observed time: {"hour": 11, "minute": 58}
